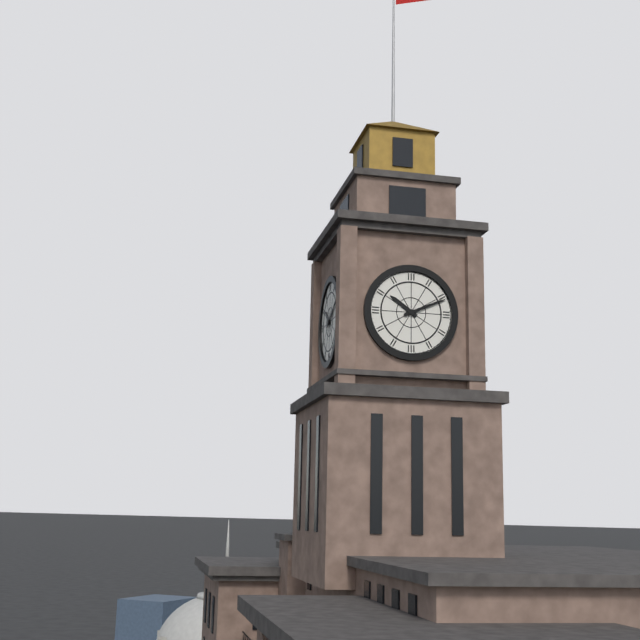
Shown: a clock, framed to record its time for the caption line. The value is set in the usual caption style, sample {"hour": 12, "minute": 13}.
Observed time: {"hour": 10, "minute": 11}
